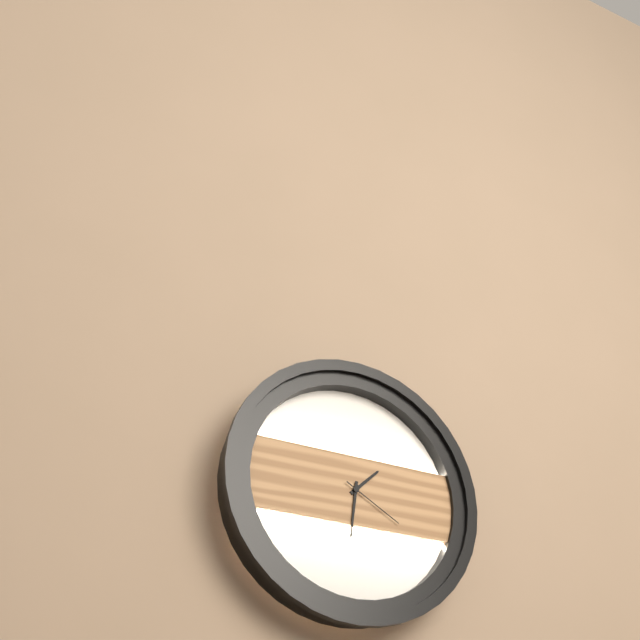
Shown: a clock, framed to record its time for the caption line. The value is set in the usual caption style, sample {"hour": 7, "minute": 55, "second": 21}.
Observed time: {"hour": 1, "minute": 31, "second": 20}
